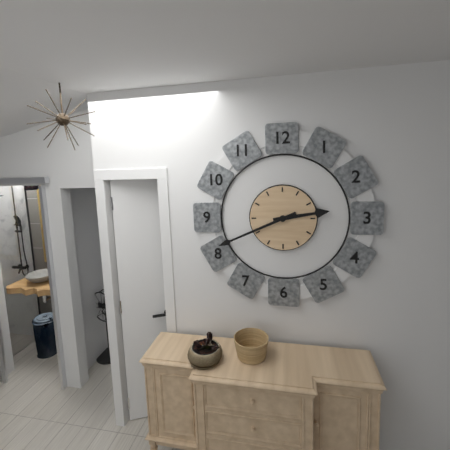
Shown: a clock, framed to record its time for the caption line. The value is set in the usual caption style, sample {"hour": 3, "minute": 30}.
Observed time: {"hour": 2, "minute": 41}
